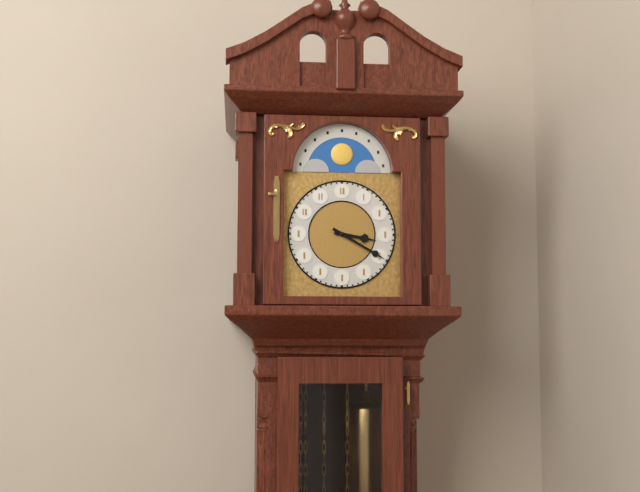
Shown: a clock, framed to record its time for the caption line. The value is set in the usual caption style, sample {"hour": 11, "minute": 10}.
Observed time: {"hour": 3, "minute": 20}
